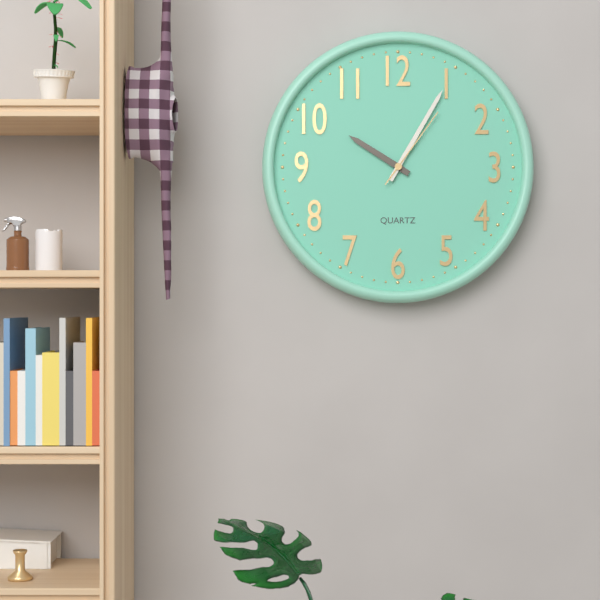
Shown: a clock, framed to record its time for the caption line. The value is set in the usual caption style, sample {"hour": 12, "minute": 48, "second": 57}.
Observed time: {"hour": 10, "minute": 5, "second": 6}
